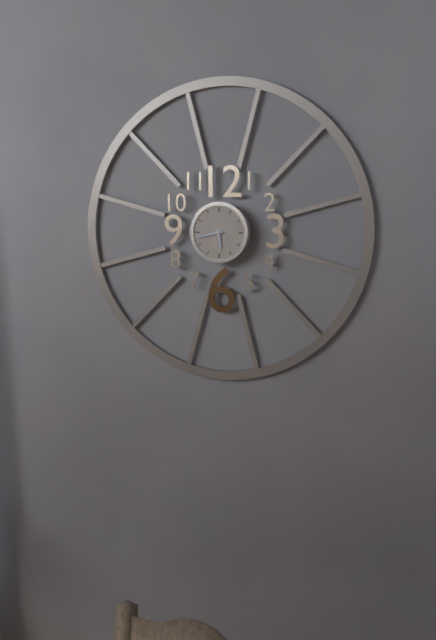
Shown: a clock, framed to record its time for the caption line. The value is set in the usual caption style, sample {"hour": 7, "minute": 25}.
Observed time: {"hour": 5, "minute": 43}
